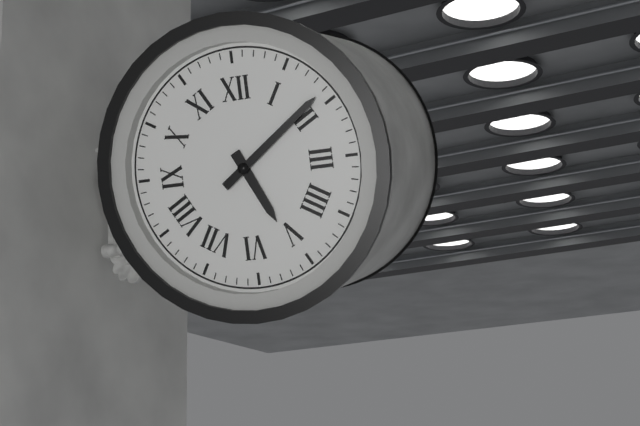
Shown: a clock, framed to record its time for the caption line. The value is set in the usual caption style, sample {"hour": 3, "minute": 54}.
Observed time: {"hour": 5, "minute": 9}
